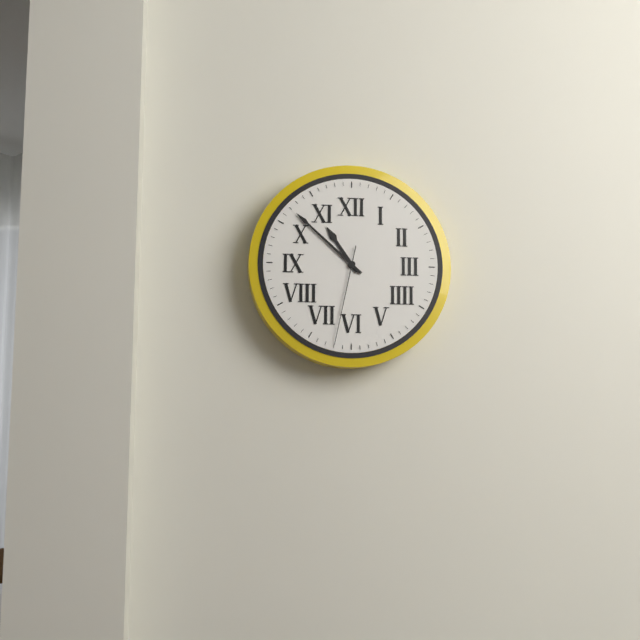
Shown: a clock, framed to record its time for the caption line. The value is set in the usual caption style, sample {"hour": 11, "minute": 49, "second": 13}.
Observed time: {"hour": 10, "minute": 52, "second": 32}
